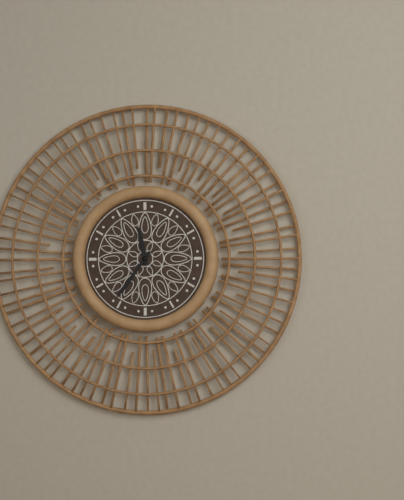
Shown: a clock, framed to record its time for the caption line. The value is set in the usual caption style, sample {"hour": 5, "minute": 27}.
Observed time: {"hour": 11, "minute": 36}
